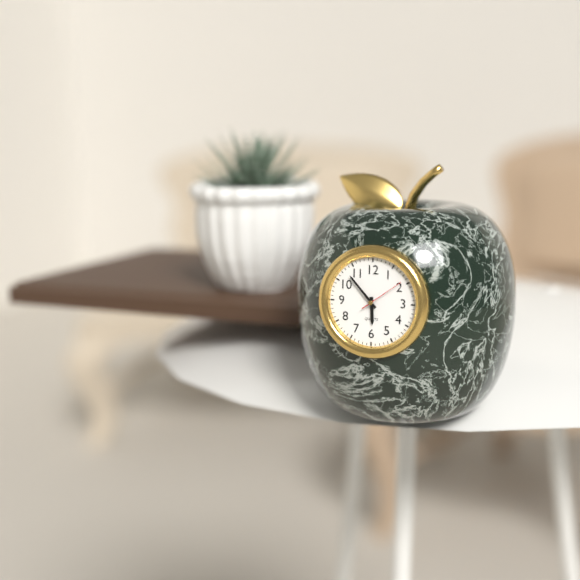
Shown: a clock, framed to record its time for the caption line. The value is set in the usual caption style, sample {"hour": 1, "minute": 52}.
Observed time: {"hour": 5, "minute": 53}
